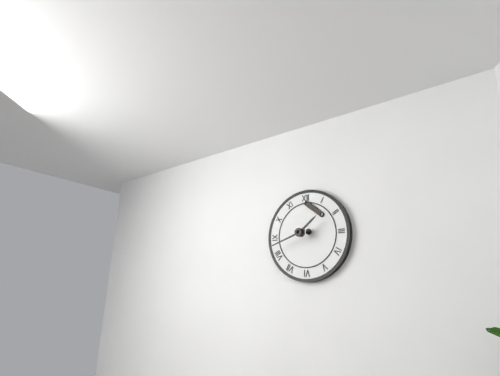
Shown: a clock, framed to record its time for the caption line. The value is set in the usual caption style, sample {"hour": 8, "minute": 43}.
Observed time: {"hour": 1, "minute": 42}
